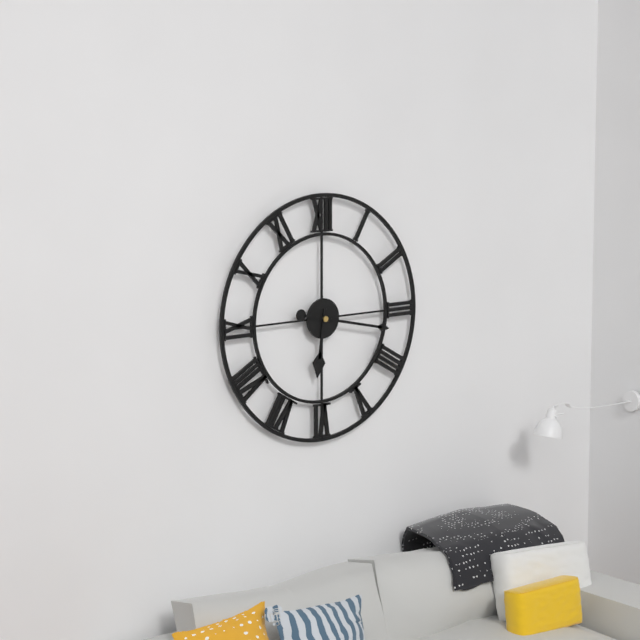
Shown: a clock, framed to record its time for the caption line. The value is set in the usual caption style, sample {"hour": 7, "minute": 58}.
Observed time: {"hour": 6, "minute": 17}
